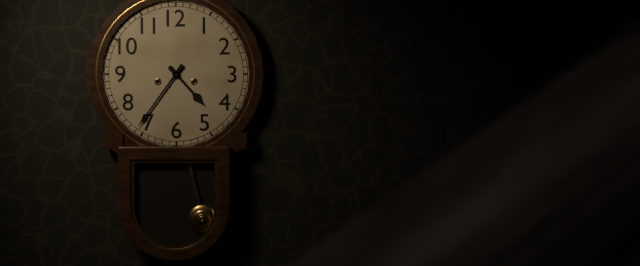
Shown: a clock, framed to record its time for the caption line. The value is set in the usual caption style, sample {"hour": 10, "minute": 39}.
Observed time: {"hour": 4, "minute": 36}
